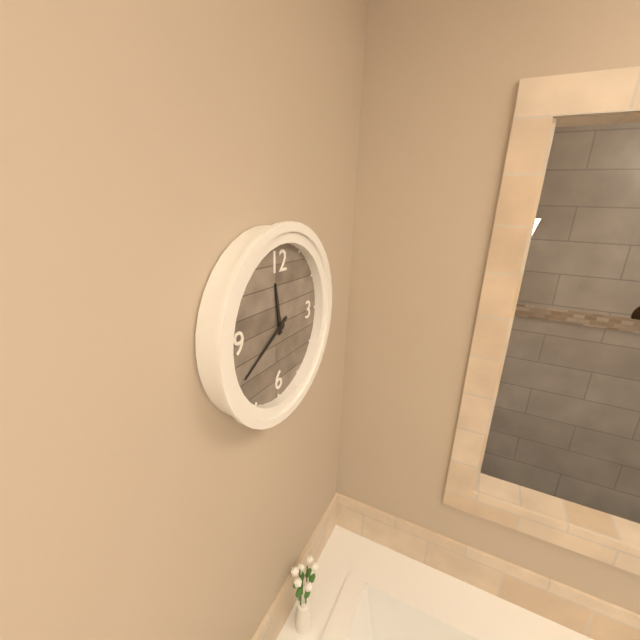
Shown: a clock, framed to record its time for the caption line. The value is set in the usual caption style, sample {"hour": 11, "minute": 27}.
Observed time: {"hour": 11, "minute": 40}
